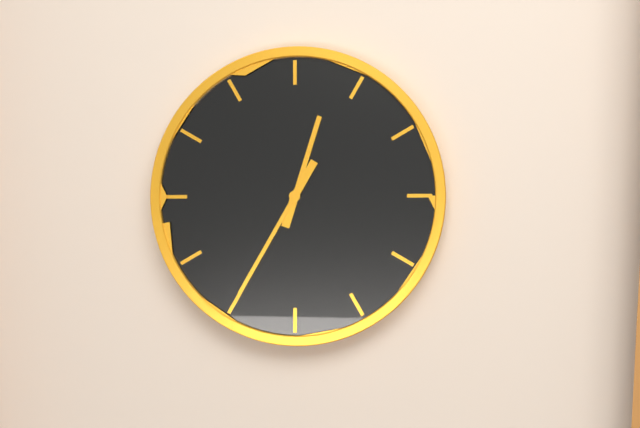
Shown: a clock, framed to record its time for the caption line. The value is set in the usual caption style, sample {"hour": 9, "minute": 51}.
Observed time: {"hour": 12, "minute": 35}
